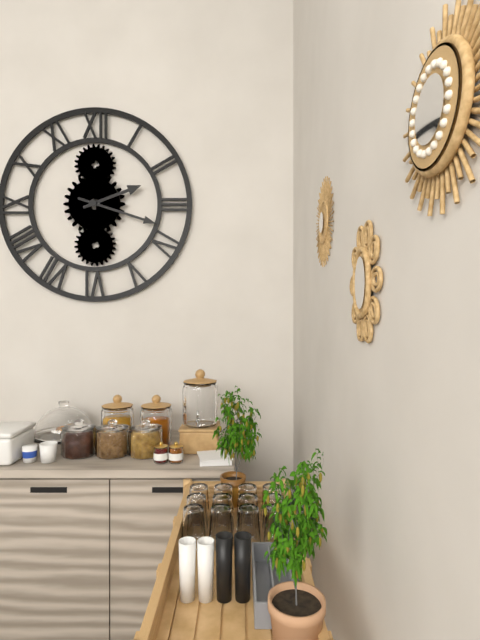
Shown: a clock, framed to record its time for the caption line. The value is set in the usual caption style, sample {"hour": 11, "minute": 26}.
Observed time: {"hour": 2, "minute": 18}
